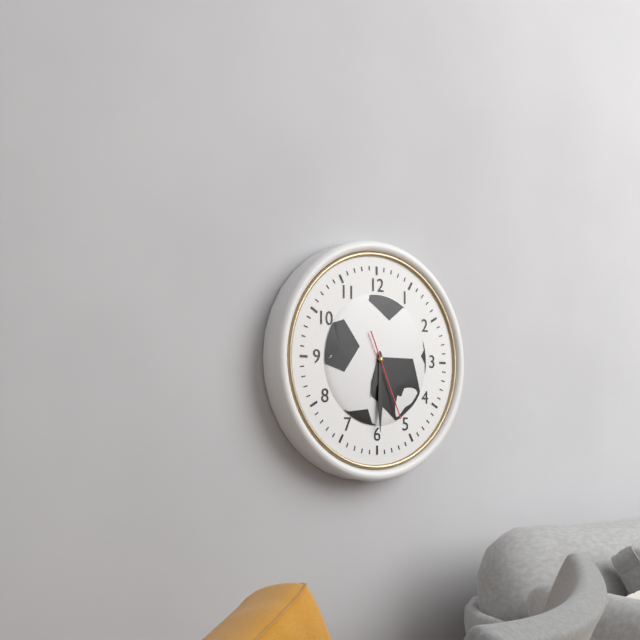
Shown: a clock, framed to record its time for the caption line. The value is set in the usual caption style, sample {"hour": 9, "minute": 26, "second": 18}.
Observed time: {"hour": 6, "minute": 30, "second": 26}
